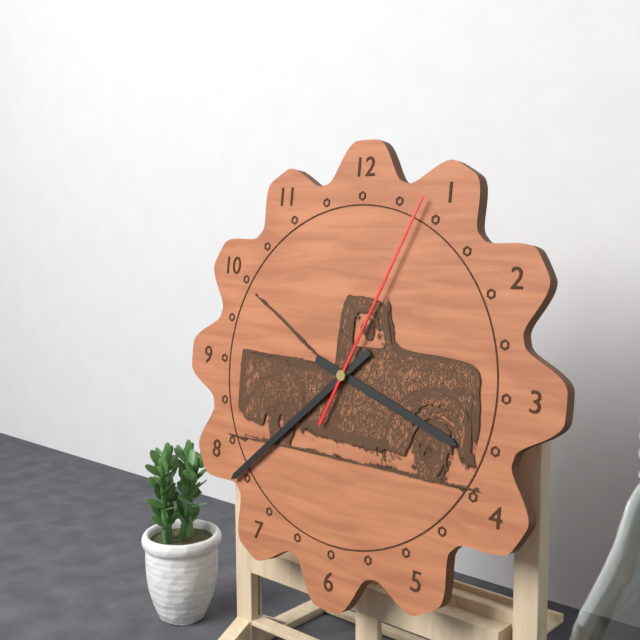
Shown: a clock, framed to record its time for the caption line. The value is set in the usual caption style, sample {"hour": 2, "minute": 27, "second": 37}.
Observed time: {"hour": 3, "minute": 38, "second": 4}
